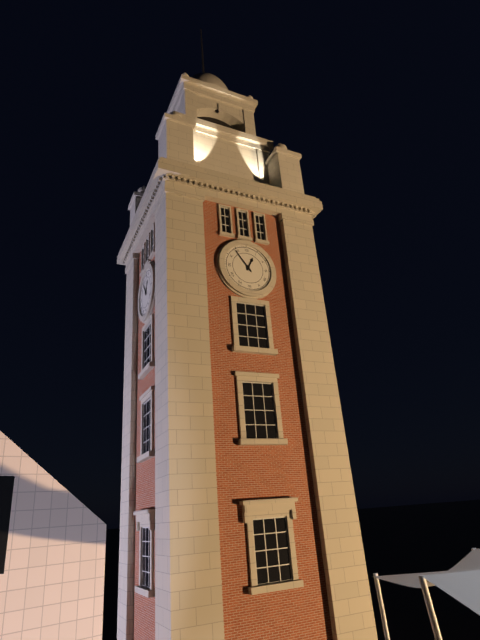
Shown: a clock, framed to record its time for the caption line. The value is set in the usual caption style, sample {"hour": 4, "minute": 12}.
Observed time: {"hour": 12, "minute": 54}
